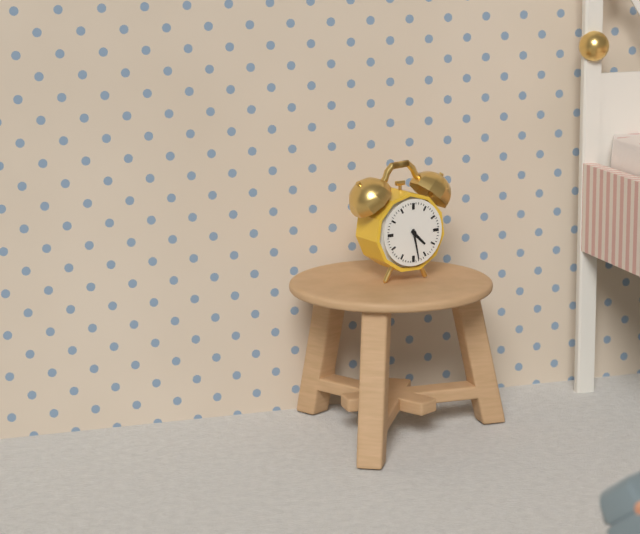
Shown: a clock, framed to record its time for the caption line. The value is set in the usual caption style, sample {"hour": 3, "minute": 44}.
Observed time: {"hour": 4, "minute": 28}
